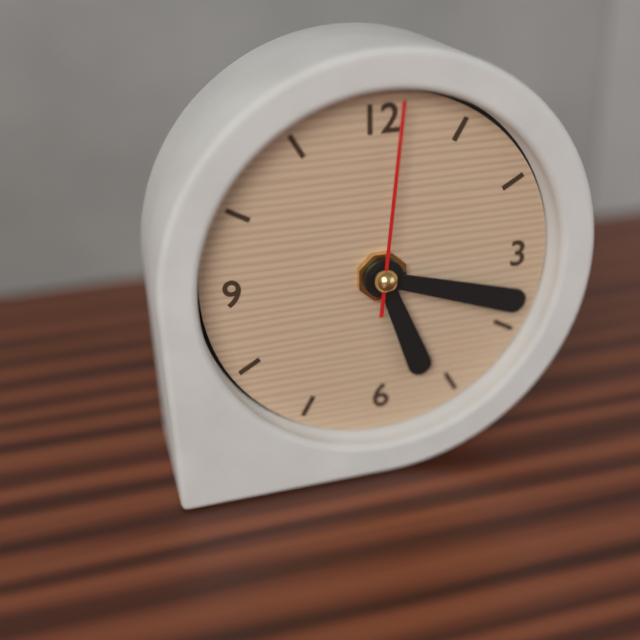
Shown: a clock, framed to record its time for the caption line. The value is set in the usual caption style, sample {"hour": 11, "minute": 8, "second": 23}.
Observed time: {"hour": 5, "minute": 18, "second": 1}
